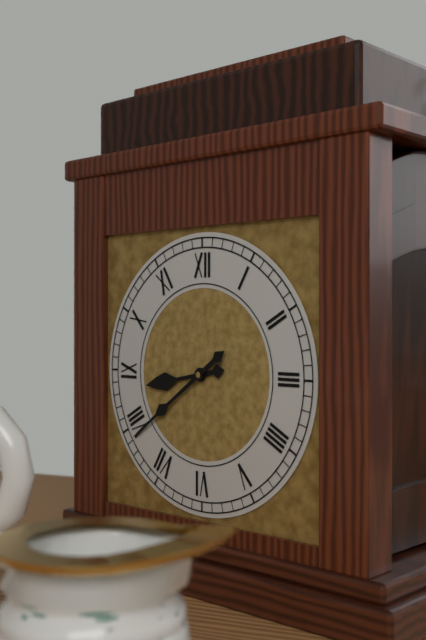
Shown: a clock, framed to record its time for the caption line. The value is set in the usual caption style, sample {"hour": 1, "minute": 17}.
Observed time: {"hour": 8, "minute": 39}
